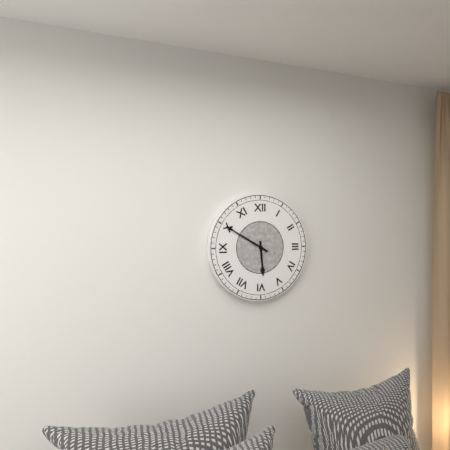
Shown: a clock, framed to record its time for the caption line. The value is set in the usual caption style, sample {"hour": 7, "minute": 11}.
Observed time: {"hour": 5, "minute": 50}
